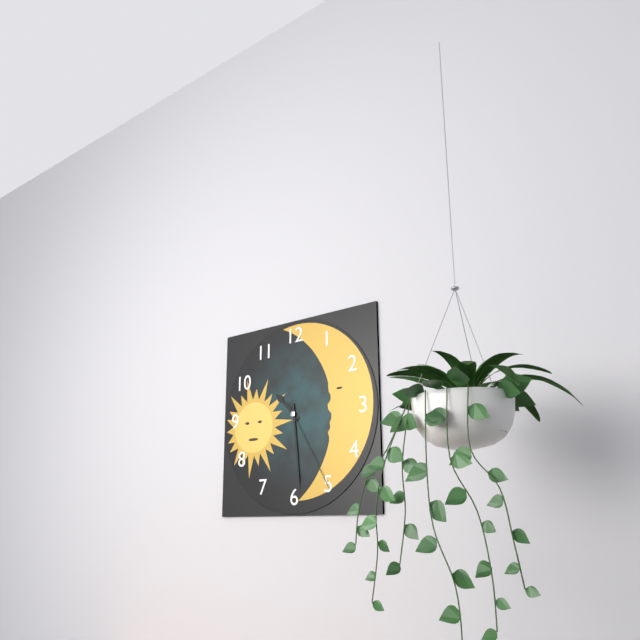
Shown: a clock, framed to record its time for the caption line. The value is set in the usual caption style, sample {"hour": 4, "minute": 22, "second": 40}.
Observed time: {"hour": 10, "minute": 29, "second": 25}
